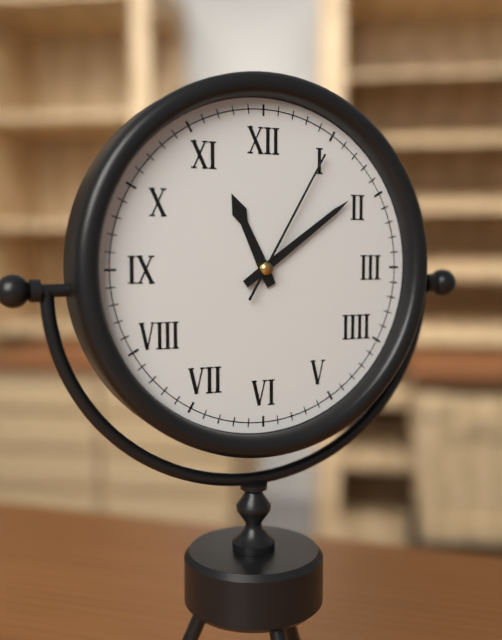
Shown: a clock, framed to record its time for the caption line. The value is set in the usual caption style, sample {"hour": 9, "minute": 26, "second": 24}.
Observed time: {"hour": 11, "minute": 9, "second": 5}
